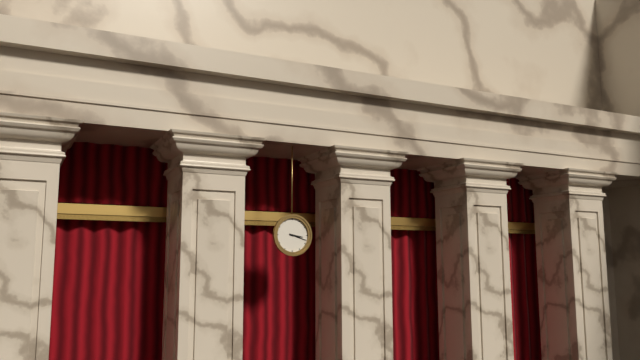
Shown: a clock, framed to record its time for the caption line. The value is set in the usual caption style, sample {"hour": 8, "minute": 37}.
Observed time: {"hour": 3, "minute": 18}
